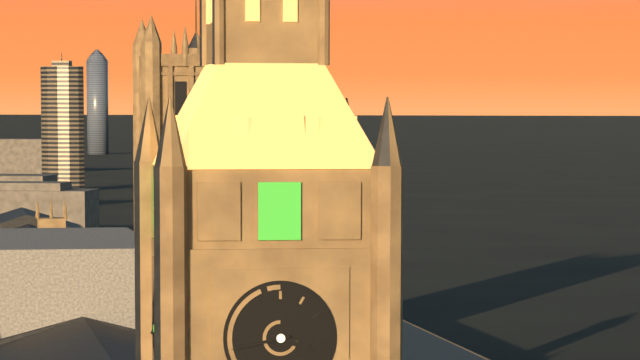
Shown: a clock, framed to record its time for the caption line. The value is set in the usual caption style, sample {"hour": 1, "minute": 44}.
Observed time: {"hour": 3, "minute": 43}
